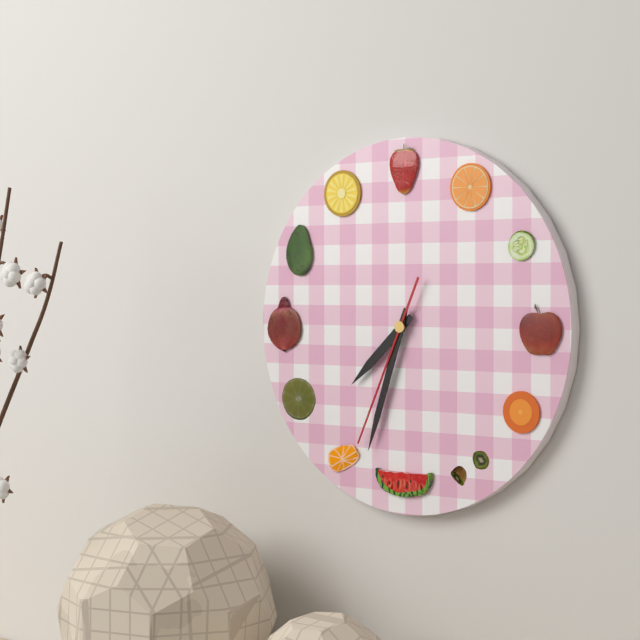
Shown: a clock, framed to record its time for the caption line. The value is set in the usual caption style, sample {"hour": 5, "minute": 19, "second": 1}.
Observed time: {"hour": 7, "minute": 33, "second": 34}
